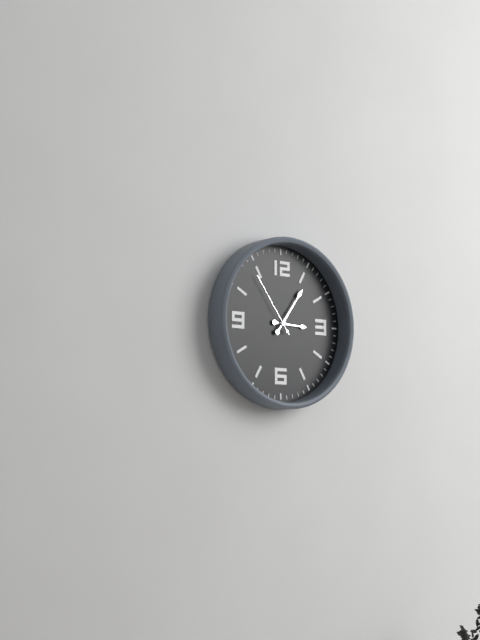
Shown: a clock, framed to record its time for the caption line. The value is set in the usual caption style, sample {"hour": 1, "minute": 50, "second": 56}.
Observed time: {"hour": 3, "minute": 6, "second": 54}
